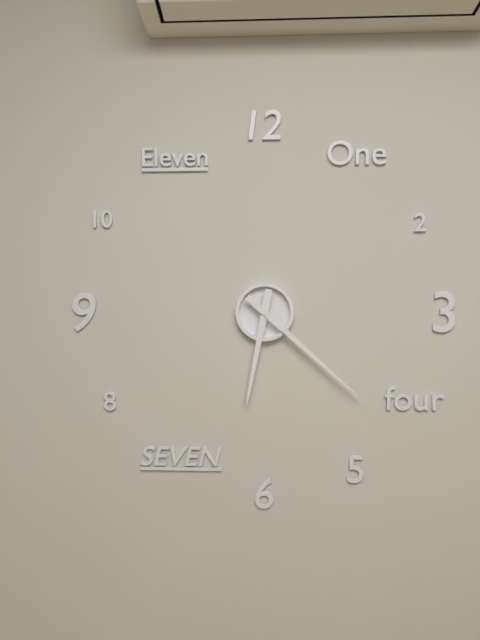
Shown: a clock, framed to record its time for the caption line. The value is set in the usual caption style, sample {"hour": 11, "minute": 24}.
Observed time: {"hour": 6, "minute": 22}
